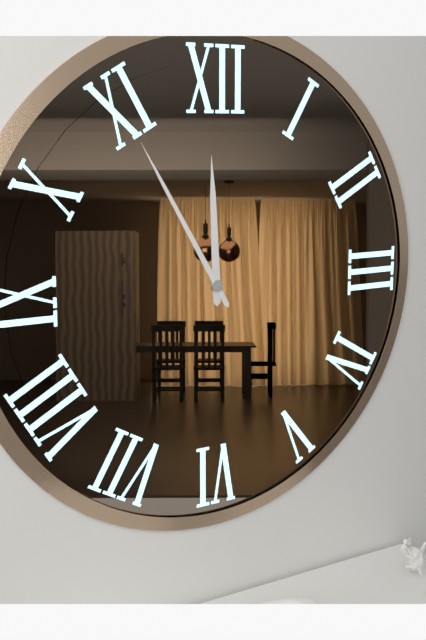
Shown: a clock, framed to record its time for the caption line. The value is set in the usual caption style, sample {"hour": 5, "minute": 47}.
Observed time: {"hour": 11, "minute": 55}
